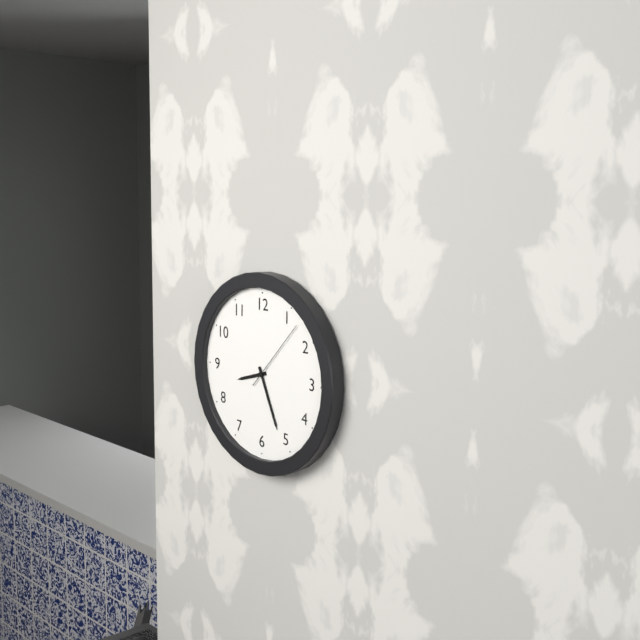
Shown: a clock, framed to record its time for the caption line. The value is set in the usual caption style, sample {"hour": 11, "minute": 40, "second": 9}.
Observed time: {"hour": 8, "minute": 26, "second": 7}
